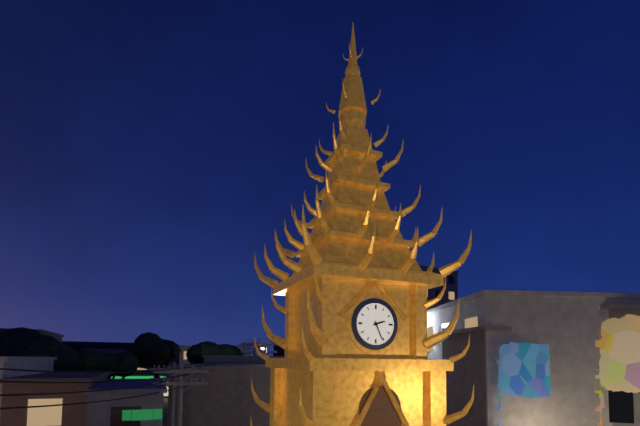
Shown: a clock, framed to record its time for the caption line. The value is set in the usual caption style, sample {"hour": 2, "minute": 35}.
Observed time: {"hour": 2, "minute": 26}
